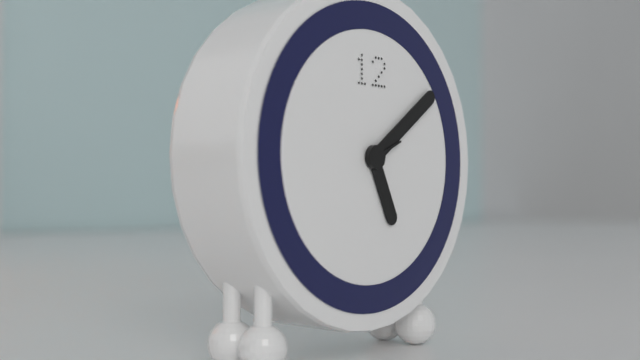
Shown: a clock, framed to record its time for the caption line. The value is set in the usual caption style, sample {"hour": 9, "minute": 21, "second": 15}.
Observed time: {"hour": 5, "minute": 9, "second": 11}
